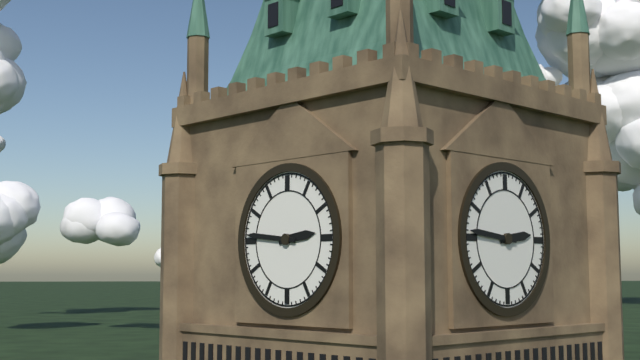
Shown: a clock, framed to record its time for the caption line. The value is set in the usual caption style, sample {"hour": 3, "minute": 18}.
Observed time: {"hour": 2, "minute": 46}
